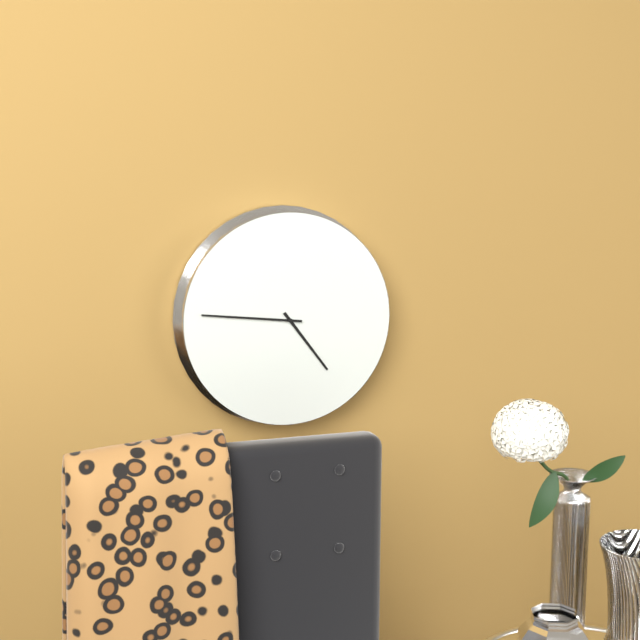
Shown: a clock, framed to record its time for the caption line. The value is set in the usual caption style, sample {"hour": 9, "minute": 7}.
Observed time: {"hour": 4, "minute": 46}
